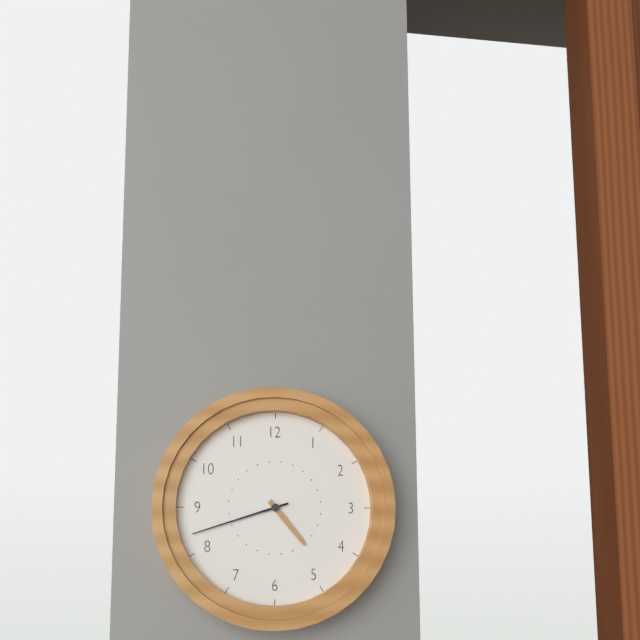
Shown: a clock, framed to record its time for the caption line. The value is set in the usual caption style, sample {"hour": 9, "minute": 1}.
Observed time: {"hour": 4, "minute": 42}
